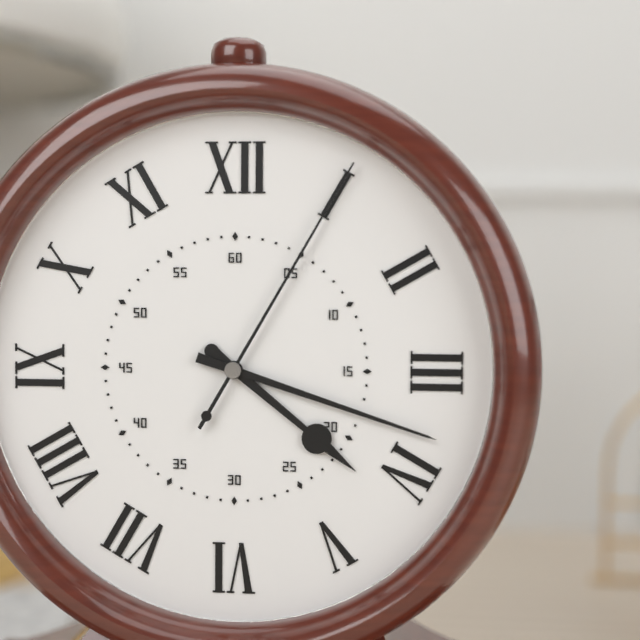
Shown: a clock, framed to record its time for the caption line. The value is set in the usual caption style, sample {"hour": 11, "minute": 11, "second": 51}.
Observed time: {"hour": 4, "minute": 18, "second": 5}
